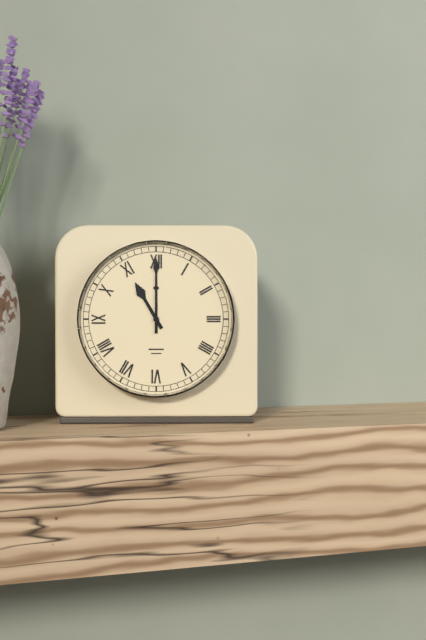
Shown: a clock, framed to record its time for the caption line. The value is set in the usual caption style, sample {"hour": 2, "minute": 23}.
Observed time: {"hour": 11, "minute": 0}
